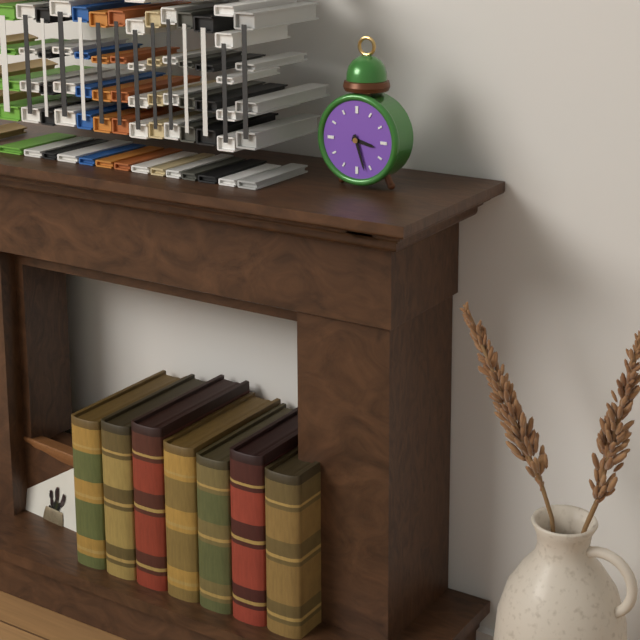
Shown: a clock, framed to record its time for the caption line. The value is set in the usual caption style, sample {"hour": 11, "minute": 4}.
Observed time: {"hour": 3, "minute": 27}
